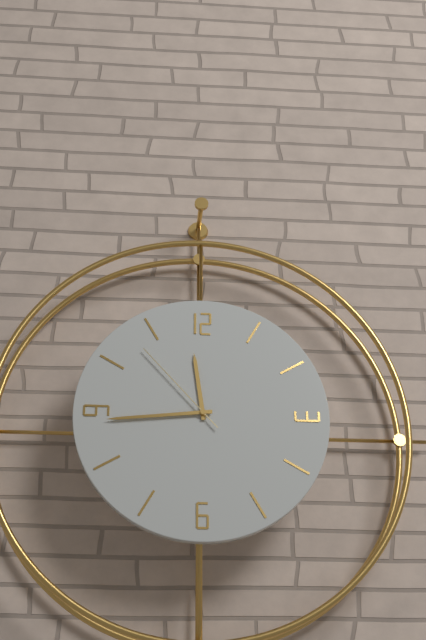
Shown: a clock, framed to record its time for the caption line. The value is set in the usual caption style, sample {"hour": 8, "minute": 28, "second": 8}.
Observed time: {"hour": 11, "minute": 44, "second": 53}
